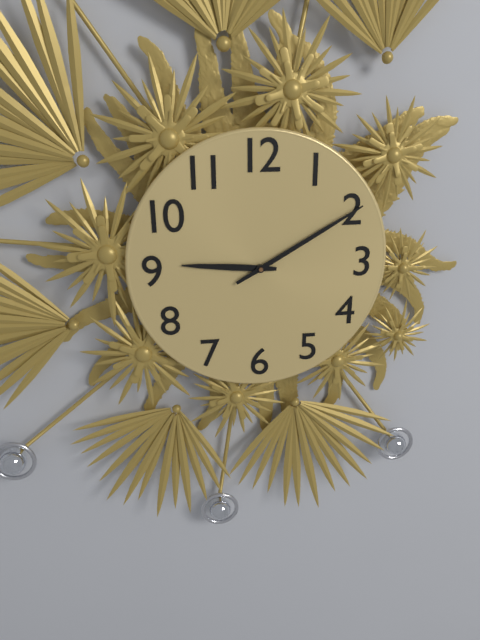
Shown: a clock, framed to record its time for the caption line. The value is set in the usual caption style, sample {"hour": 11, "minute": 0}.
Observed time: {"hour": 9, "minute": 10}
